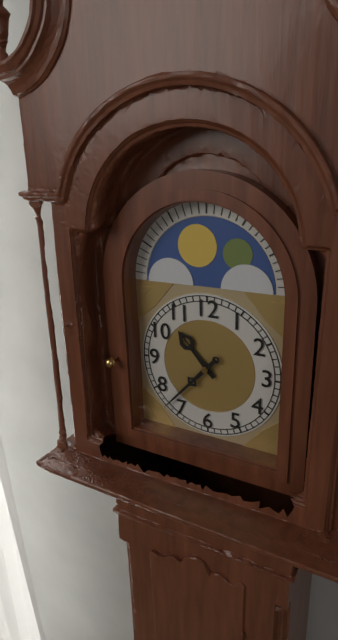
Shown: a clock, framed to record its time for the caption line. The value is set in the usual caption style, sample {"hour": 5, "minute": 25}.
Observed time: {"hour": 10, "minute": 37}
